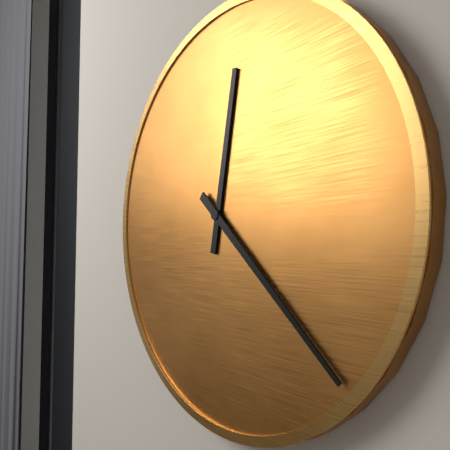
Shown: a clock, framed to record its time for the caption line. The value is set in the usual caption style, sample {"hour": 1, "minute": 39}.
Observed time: {"hour": 12, "minute": 22}
